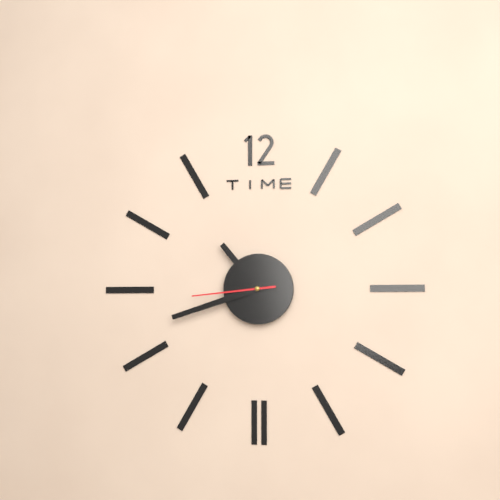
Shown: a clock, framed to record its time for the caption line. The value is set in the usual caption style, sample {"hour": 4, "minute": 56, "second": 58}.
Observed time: {"hour": 10, "minute": 42, "second": 44}
